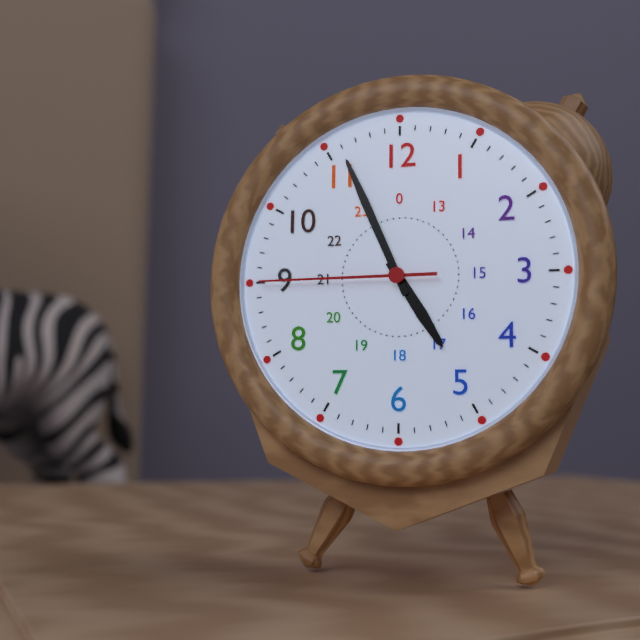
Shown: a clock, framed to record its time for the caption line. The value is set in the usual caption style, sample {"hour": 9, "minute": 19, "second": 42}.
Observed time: {"hour": 4, "minute": 56, "second": 45}
